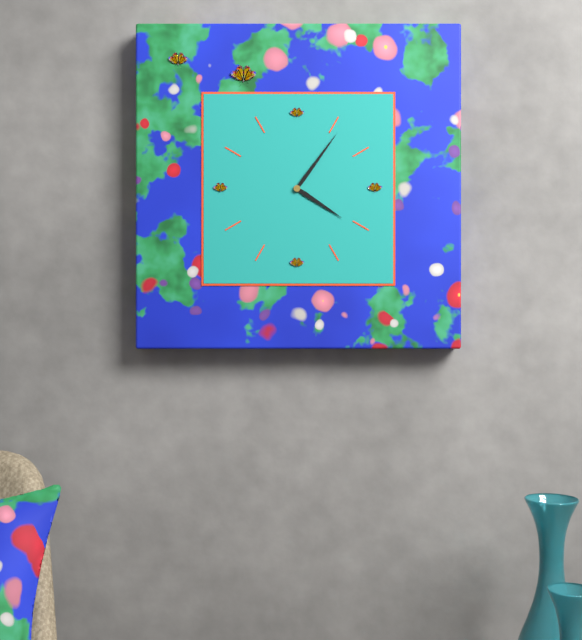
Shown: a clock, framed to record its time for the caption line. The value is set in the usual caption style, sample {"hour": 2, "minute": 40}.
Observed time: {"hour": 4, "minute": 6}
